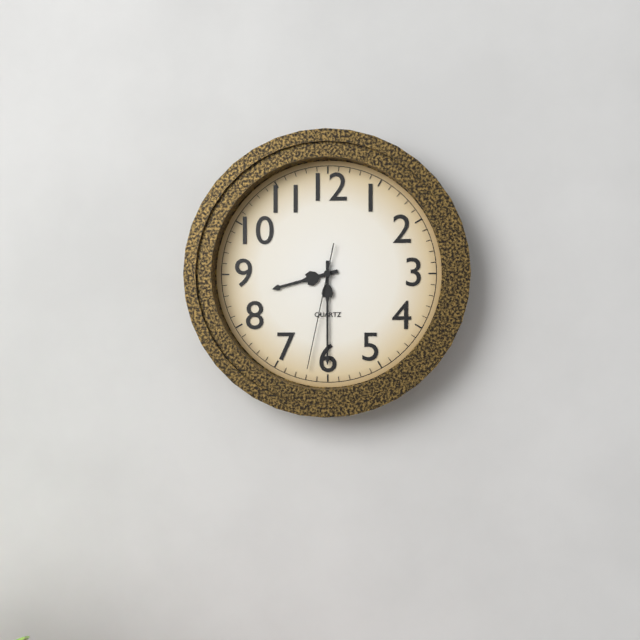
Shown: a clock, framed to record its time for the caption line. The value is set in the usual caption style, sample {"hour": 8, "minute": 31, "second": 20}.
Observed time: {"hour": 8, "minute": 30, "second": 32}
